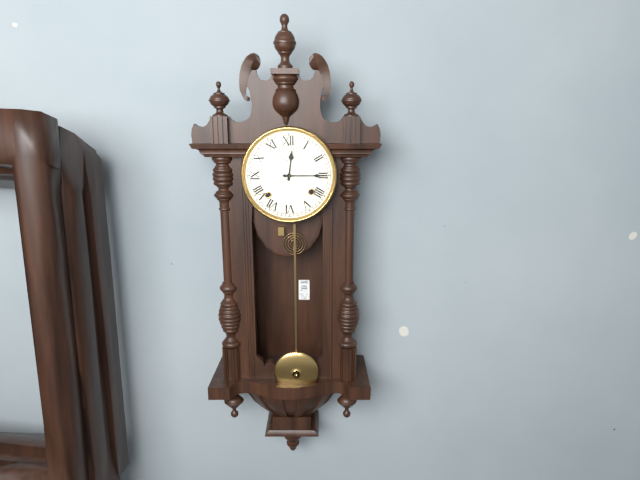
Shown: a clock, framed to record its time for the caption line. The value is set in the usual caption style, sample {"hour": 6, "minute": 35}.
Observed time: {"hour": 12, "minute": 15}
